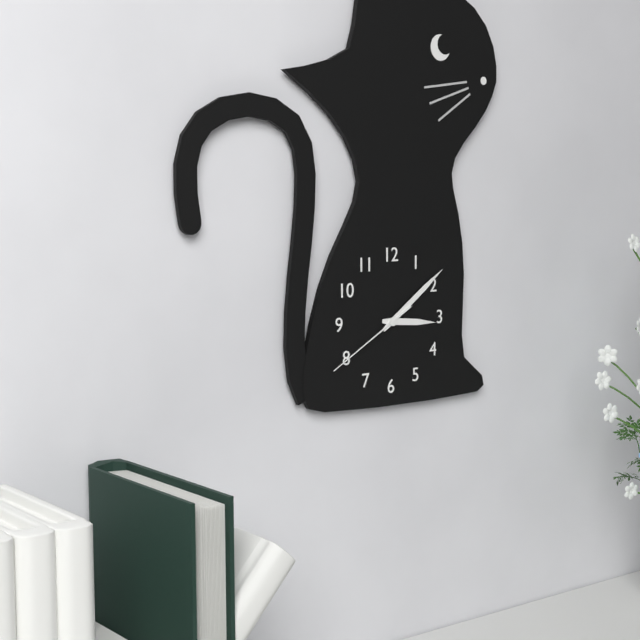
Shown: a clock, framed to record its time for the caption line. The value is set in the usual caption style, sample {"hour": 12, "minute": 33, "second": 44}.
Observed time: {"hour": 3, "minute": 9, "second": 40}
